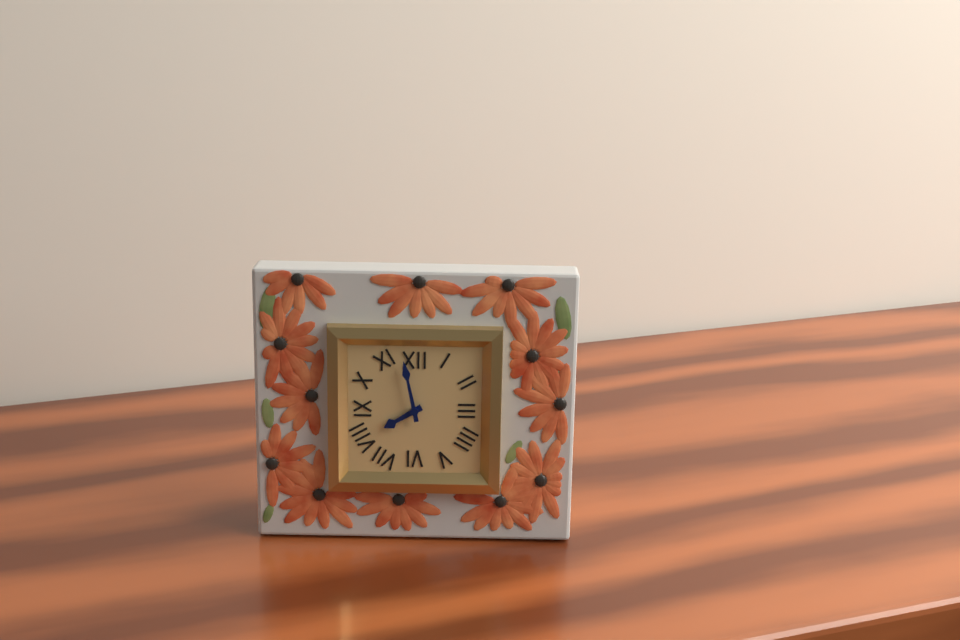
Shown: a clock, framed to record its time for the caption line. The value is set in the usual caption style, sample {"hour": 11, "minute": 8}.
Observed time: {"hour": 7, "minute": 58}
